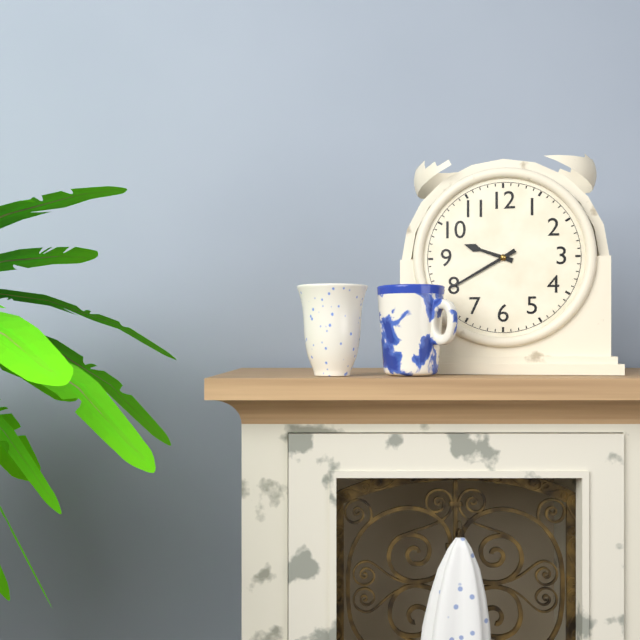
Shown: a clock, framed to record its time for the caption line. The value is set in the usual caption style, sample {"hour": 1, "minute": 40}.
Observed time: {"hour": 9, "minute": 40}
